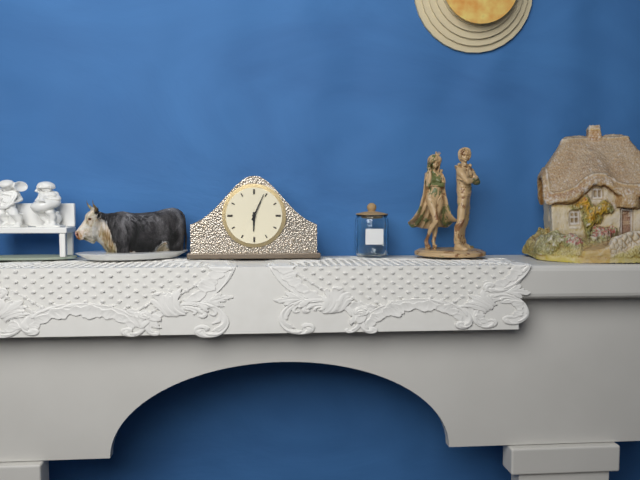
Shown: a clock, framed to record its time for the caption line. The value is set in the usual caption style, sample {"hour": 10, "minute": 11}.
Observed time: {"hour": 6, "minute": 4}
